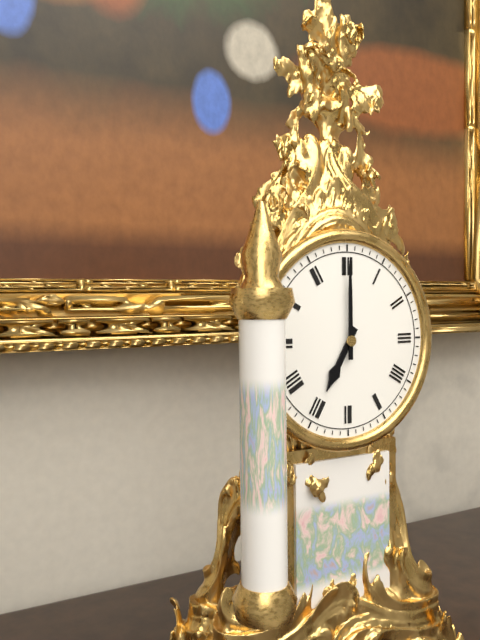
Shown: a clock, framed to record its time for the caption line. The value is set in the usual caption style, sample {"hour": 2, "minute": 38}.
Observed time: {"hour": 7, "minute": 0}
